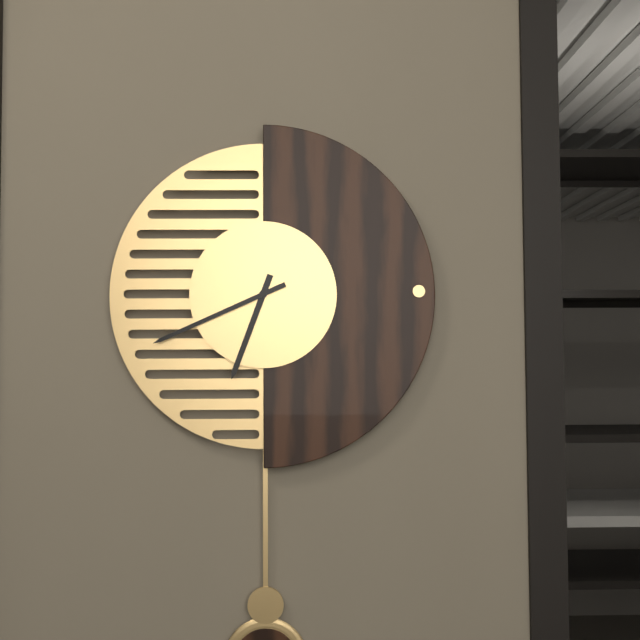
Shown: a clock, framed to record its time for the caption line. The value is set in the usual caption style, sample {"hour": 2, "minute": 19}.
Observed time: {"hour": 6, "minute": 41}
